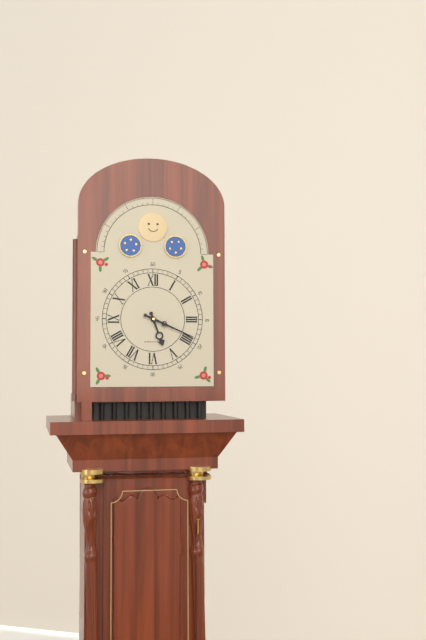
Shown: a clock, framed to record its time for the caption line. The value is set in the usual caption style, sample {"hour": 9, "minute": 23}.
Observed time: {"hour": 5, "minute": 19}
